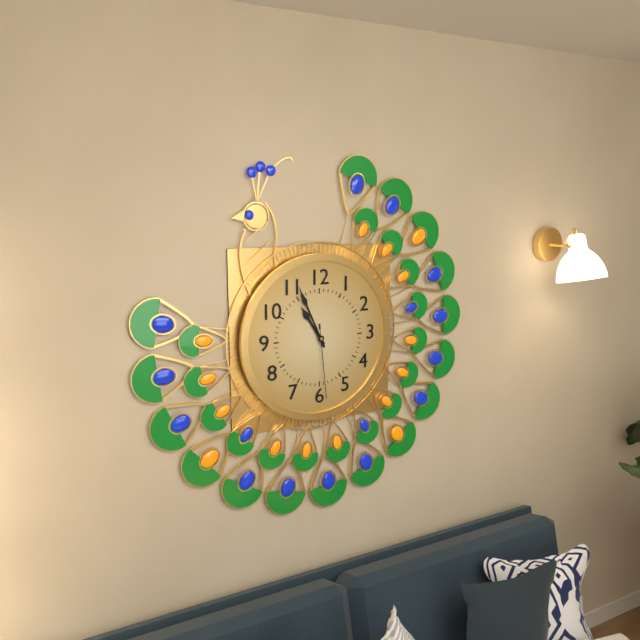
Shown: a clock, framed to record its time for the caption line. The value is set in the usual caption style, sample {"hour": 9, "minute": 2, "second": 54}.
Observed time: {"hour": 10, "minute": 56, "second": 29}
